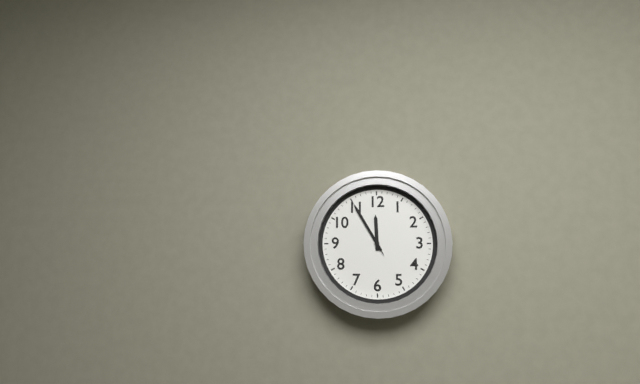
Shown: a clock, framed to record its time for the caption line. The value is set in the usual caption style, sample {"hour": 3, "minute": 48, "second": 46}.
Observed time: {"hour": 11, "minute": 55, "second": 55}
